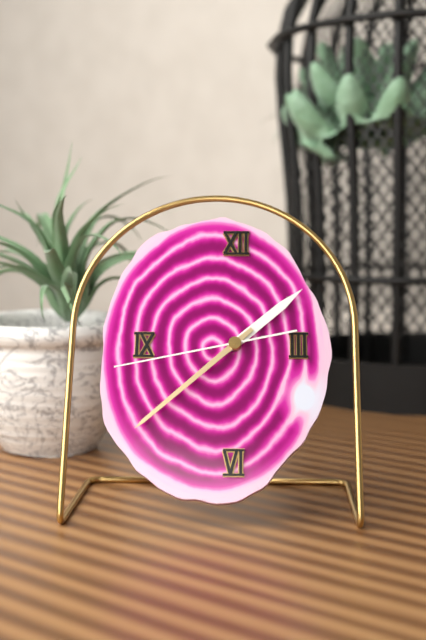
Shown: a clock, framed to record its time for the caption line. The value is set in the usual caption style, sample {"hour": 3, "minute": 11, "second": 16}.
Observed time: {"hour": 1, "minute": 38, "second": 43}
